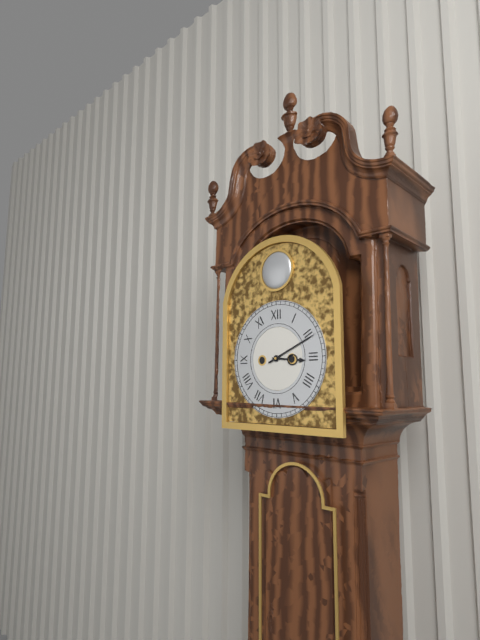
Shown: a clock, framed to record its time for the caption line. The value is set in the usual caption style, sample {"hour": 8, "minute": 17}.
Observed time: {"hour": 3, "minute": 11}
